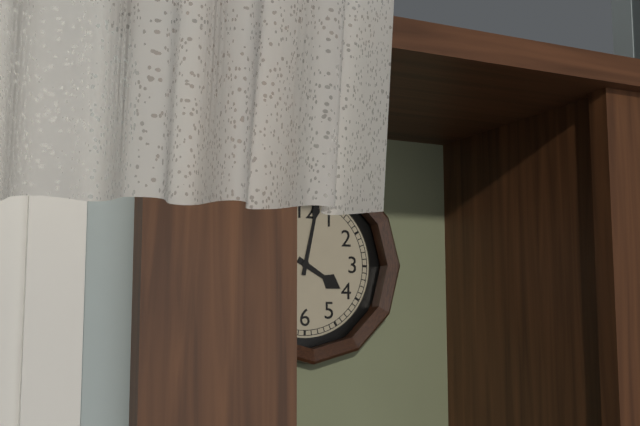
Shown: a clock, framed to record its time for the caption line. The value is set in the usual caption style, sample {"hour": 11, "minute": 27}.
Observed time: {"hour": 4, "minute": 2}
